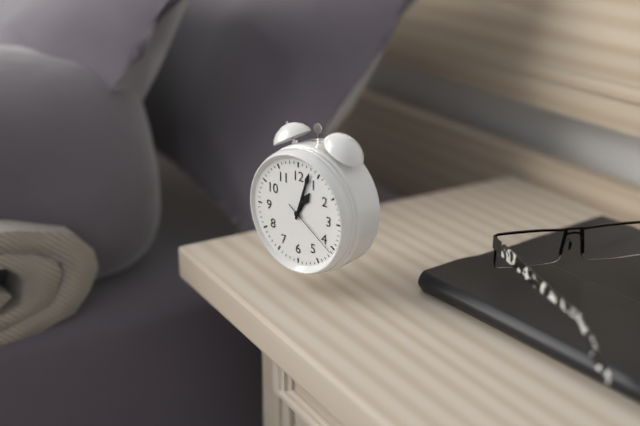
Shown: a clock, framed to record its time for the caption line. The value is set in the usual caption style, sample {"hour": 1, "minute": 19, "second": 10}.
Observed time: {"hour": 1, "minute": 3, "second": 21}
